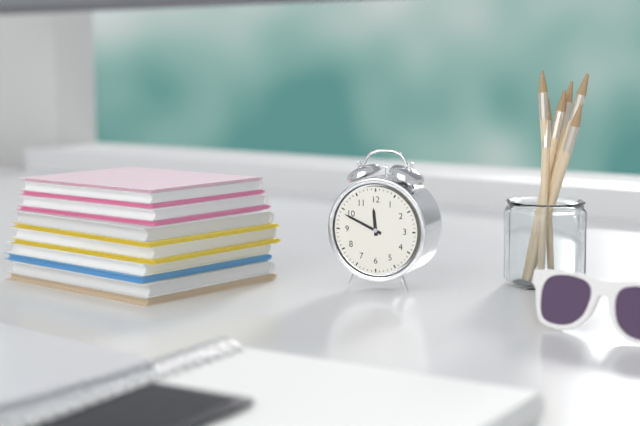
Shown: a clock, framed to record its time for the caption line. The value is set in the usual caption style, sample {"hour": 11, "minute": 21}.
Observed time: {"hour": 11, "minute": 49}
